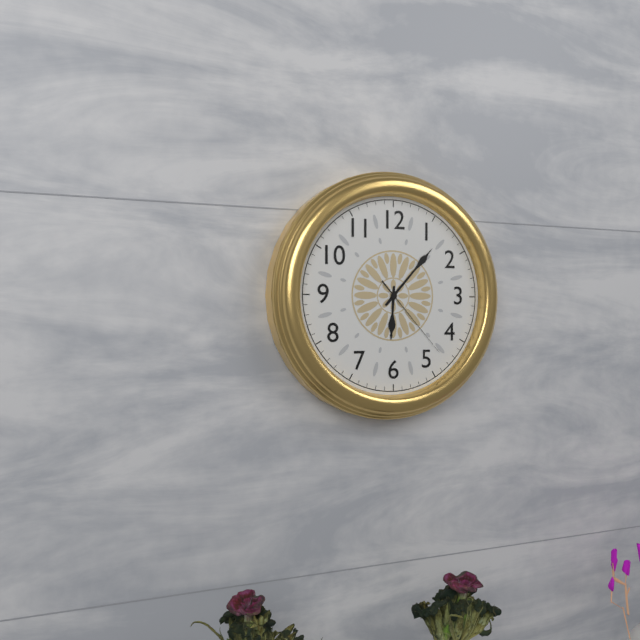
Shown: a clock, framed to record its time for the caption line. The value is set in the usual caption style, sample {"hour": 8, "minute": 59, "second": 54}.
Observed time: {"hour": 6, "minute": 7, "second": 23}
